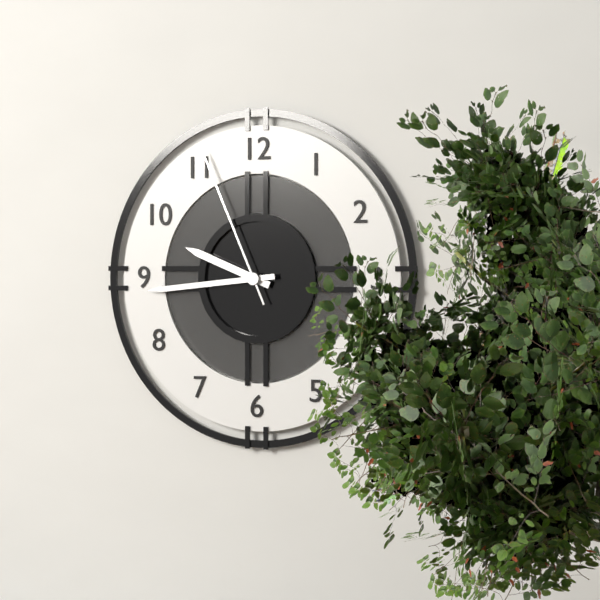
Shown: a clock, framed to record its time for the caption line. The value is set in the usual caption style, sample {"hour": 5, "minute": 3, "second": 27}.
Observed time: {"hour": 9, "minute": 44, "second": 56}
